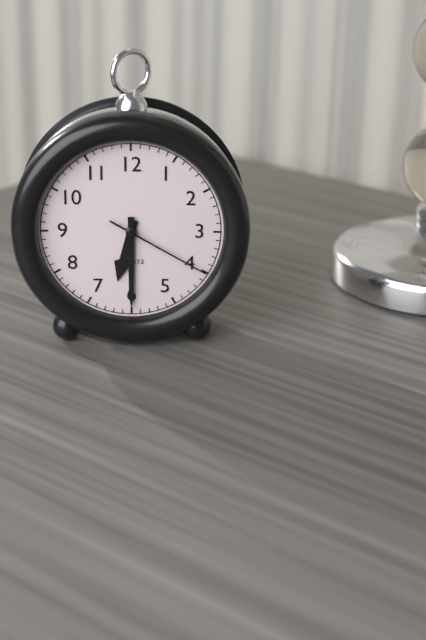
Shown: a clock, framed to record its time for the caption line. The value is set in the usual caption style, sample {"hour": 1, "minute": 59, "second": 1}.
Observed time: {"hour": 6, "minute": 30, "second": 20}
